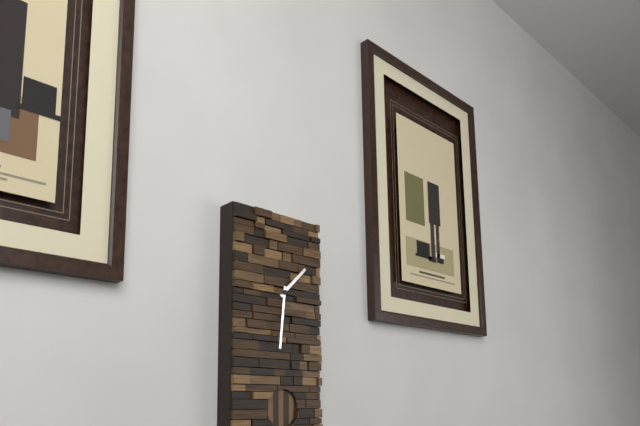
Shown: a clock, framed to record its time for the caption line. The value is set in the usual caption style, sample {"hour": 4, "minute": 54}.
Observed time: {"hour": 1, "minute": 31}
